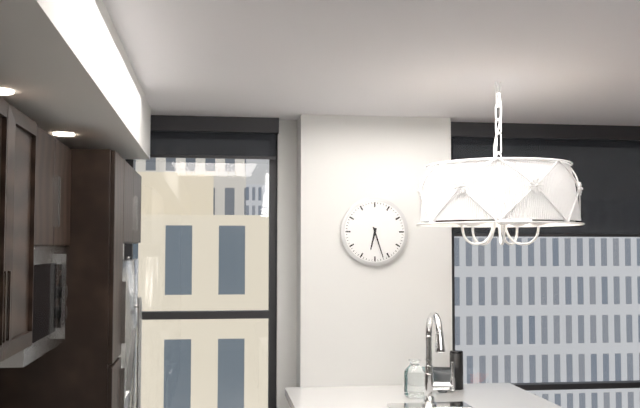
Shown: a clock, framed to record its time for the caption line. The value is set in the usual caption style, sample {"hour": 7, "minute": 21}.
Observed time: {"hour": 6, "minute": 27}
